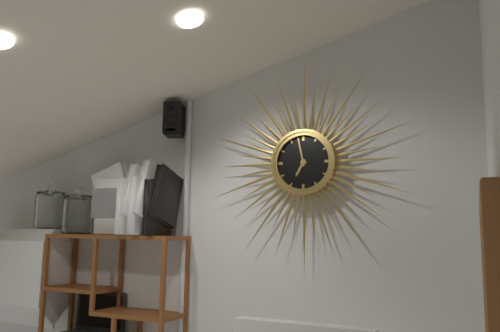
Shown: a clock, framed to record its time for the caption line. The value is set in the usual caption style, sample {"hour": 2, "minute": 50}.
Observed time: {"hour": 6, "minute": 58}
